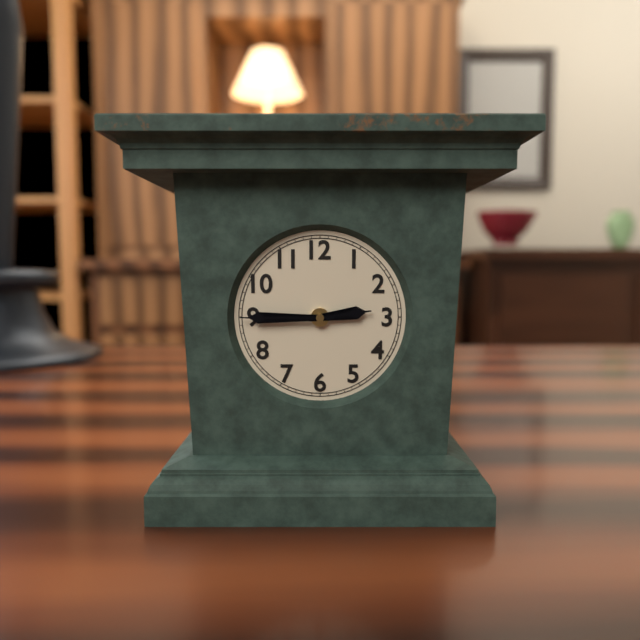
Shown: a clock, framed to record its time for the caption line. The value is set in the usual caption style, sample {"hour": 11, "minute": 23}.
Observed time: {"hour": 2, "minute": 45}
